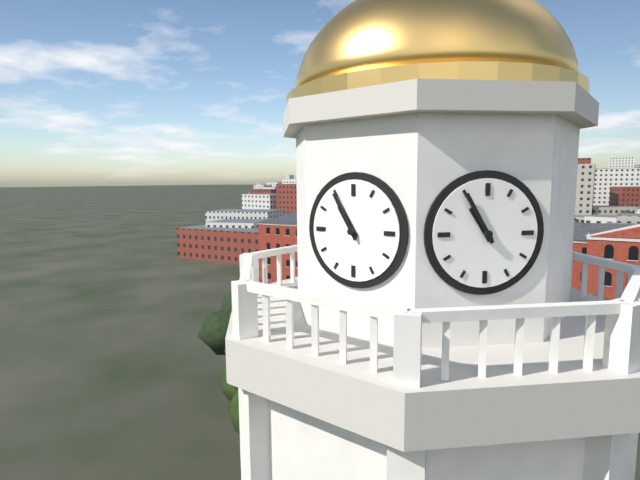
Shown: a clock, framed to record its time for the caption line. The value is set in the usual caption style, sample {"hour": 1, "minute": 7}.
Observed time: {"hour": 10, "minute": 55}
